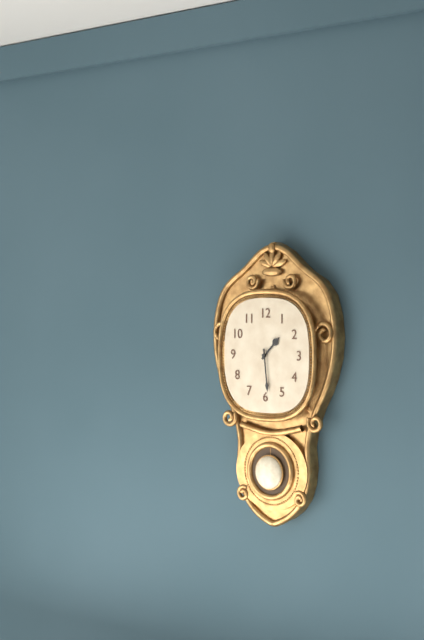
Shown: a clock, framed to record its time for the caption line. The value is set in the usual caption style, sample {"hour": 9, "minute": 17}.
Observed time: {"hour": 1, "minute": 29}
